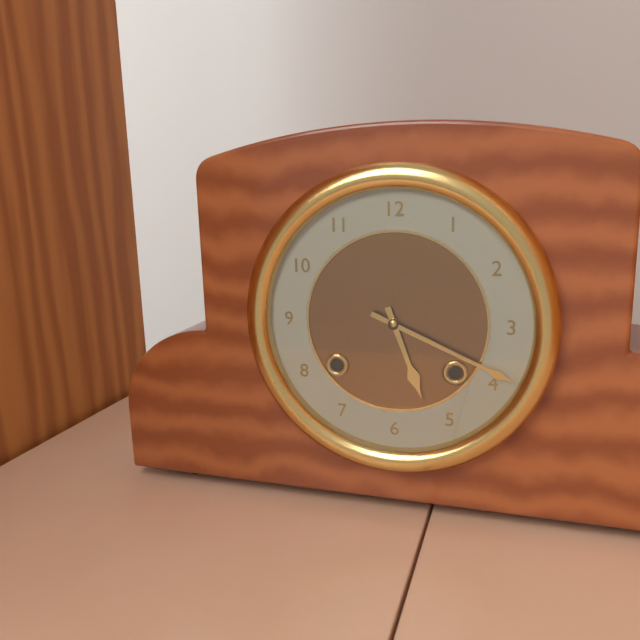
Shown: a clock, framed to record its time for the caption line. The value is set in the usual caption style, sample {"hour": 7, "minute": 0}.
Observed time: {"hour": 5, "minute": 19}
